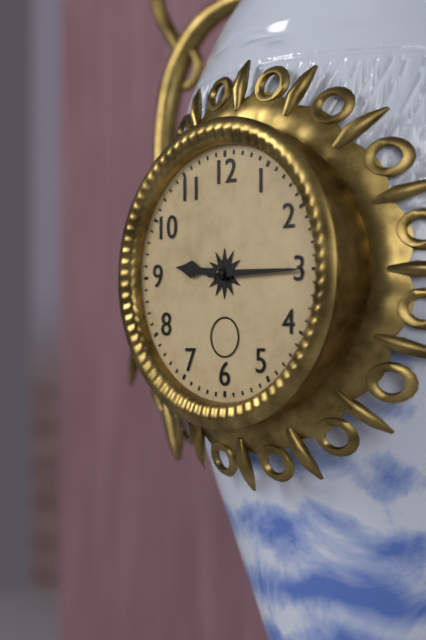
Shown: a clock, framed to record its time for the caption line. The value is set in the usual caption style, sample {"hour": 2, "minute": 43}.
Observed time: {"hour": 9, "minute": 15}
